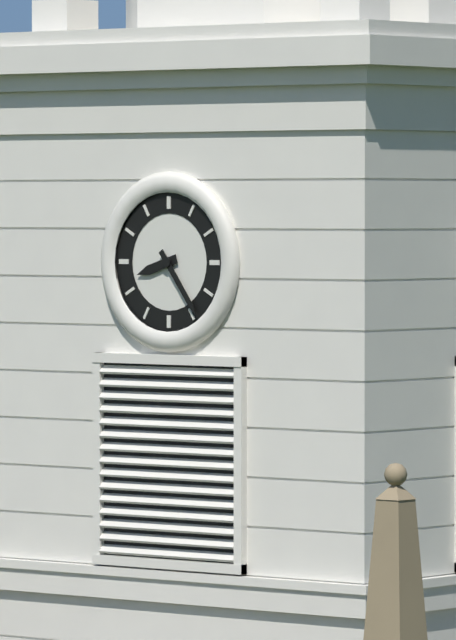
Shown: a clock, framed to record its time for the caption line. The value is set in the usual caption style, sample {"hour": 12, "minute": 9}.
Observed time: {"hour": 8, "minute": 24}
